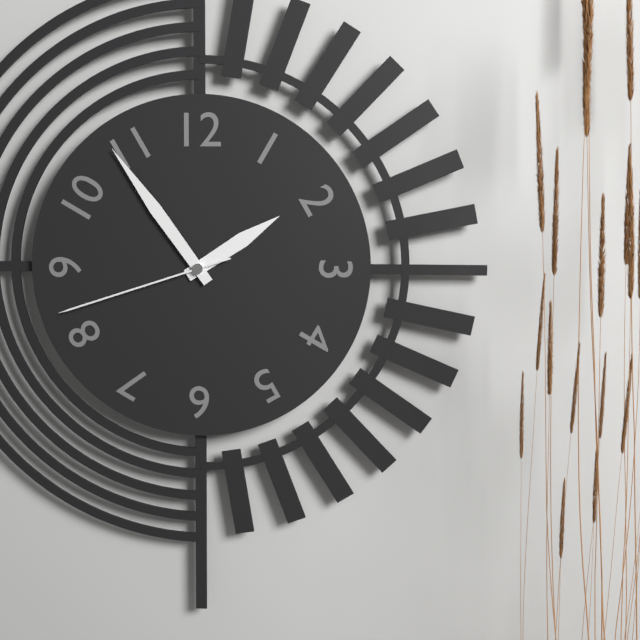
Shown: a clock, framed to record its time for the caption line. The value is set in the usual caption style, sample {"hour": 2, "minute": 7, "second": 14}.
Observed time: {"hour": 1, "minute": 54, "second": 42}
